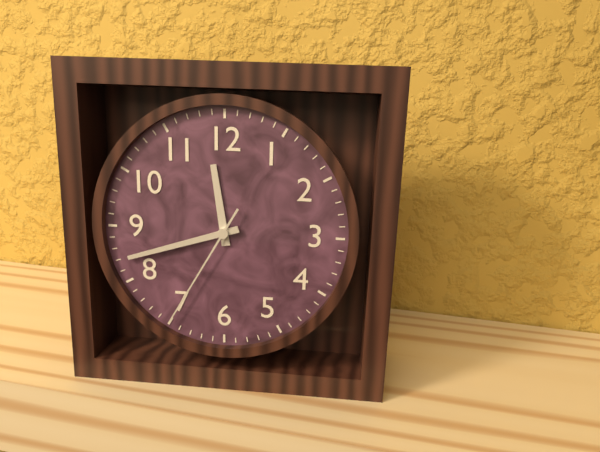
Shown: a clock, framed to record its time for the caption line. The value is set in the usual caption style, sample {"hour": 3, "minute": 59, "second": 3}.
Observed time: {"hour": 11, "minute": 42, "second": 35}
